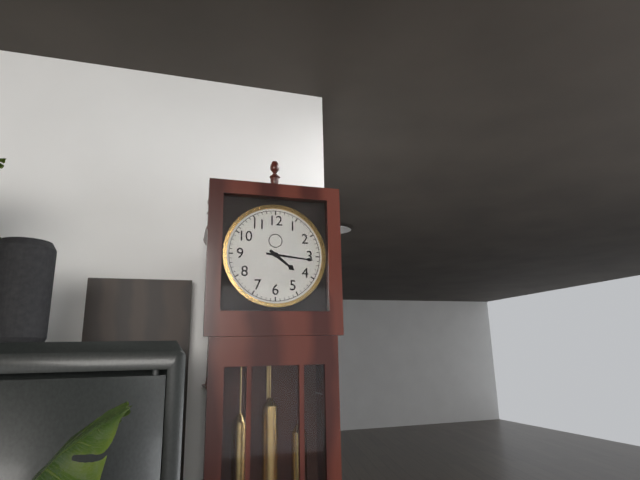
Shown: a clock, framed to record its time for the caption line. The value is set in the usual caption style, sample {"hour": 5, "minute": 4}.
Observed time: {"hour": 4, "minute": 16}
